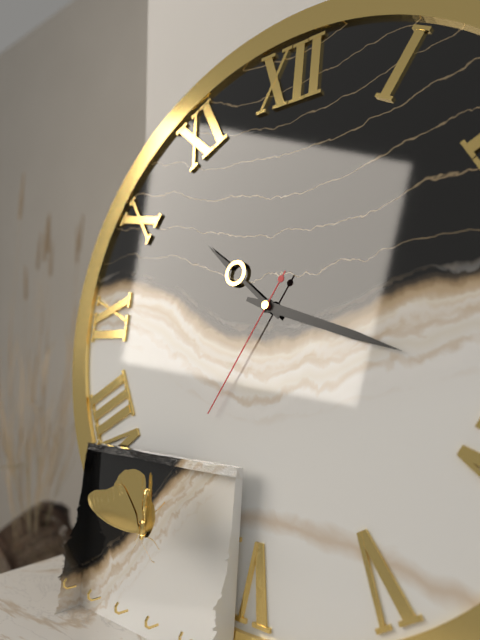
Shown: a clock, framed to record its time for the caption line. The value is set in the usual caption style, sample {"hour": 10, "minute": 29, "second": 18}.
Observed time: {"hour": 10, "minute": 18, "second": 35}
